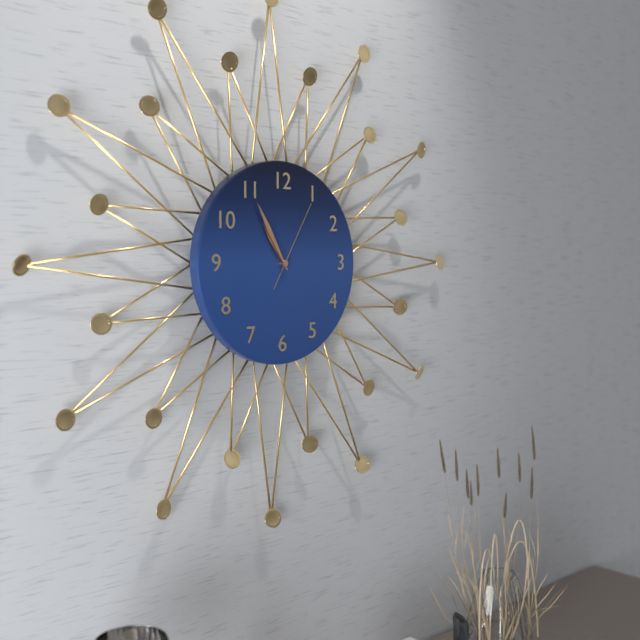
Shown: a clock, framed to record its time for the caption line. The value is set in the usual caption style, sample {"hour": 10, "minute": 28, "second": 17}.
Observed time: {"hour": 10, "minute": 55, "second": 5}
